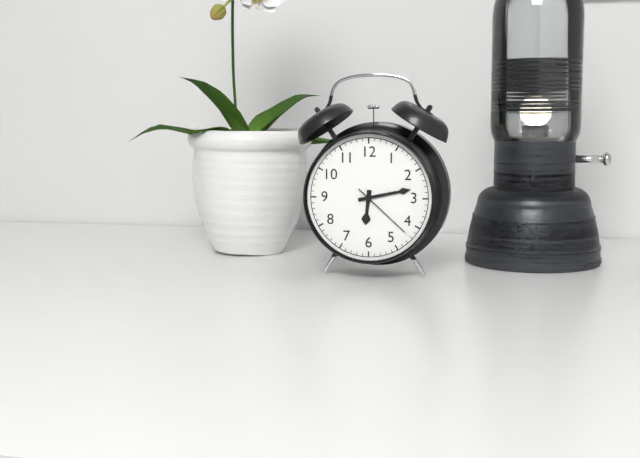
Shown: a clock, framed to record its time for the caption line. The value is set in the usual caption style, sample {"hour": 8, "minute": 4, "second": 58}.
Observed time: {"hour": 6, "minute": 13, "second": 22}
